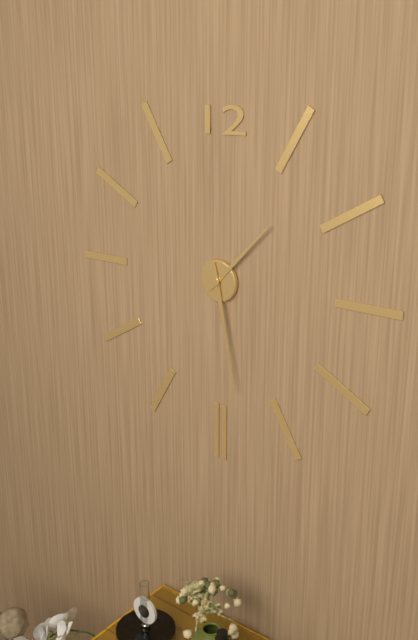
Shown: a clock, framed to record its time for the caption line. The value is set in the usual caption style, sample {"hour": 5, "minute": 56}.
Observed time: {"hour": 1, "minute": 28}
